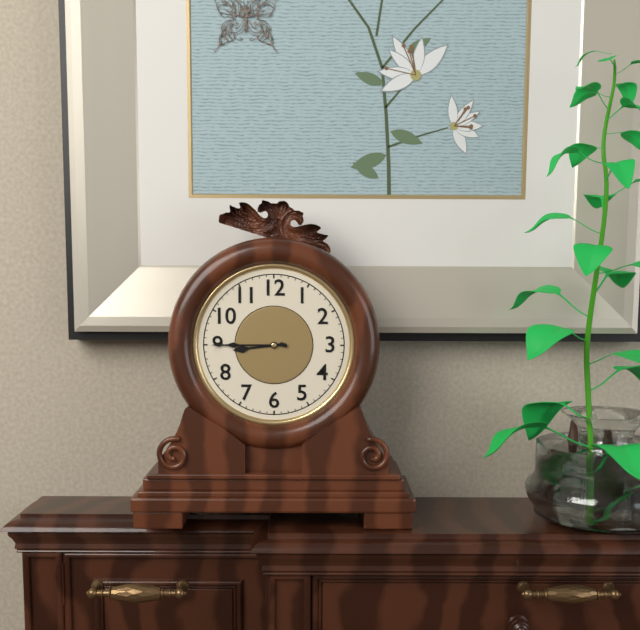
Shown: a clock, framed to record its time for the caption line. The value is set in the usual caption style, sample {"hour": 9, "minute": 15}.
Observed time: {"hour": 8, "minute": 45}
